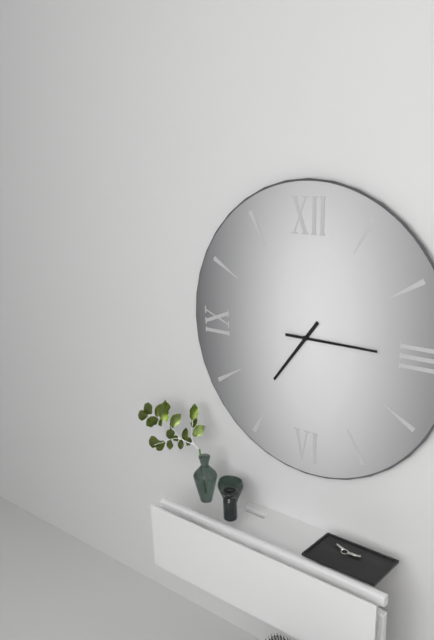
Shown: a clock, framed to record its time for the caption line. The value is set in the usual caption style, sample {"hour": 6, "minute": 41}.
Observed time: {"hour": 7, "minute": 15}
